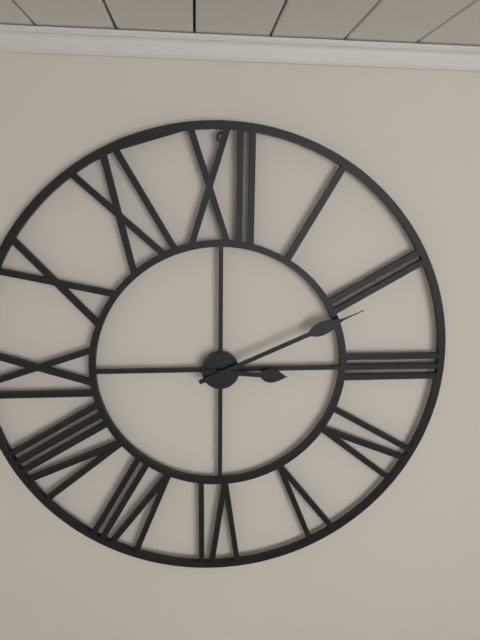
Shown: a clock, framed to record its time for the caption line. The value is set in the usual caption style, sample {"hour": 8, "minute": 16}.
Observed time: {"hour": 3, "minute": 11}
